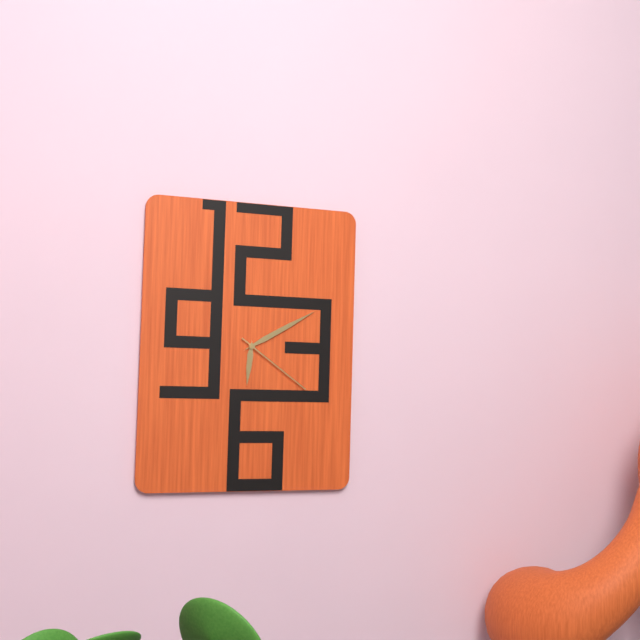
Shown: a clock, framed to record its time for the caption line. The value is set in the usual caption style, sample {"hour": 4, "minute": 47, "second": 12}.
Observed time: {"hour": 6, "minute": 10, "second": 21}
